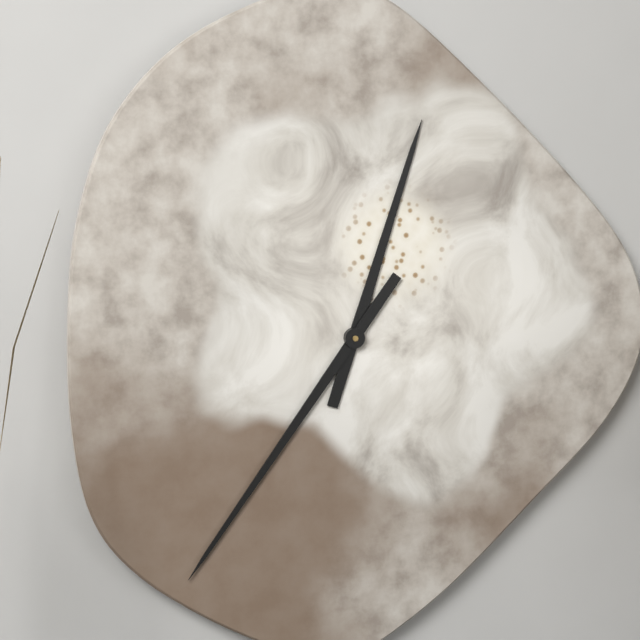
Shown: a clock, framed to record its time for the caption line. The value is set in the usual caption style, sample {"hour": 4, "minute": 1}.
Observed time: {"hour": 12, "minute": 36}
